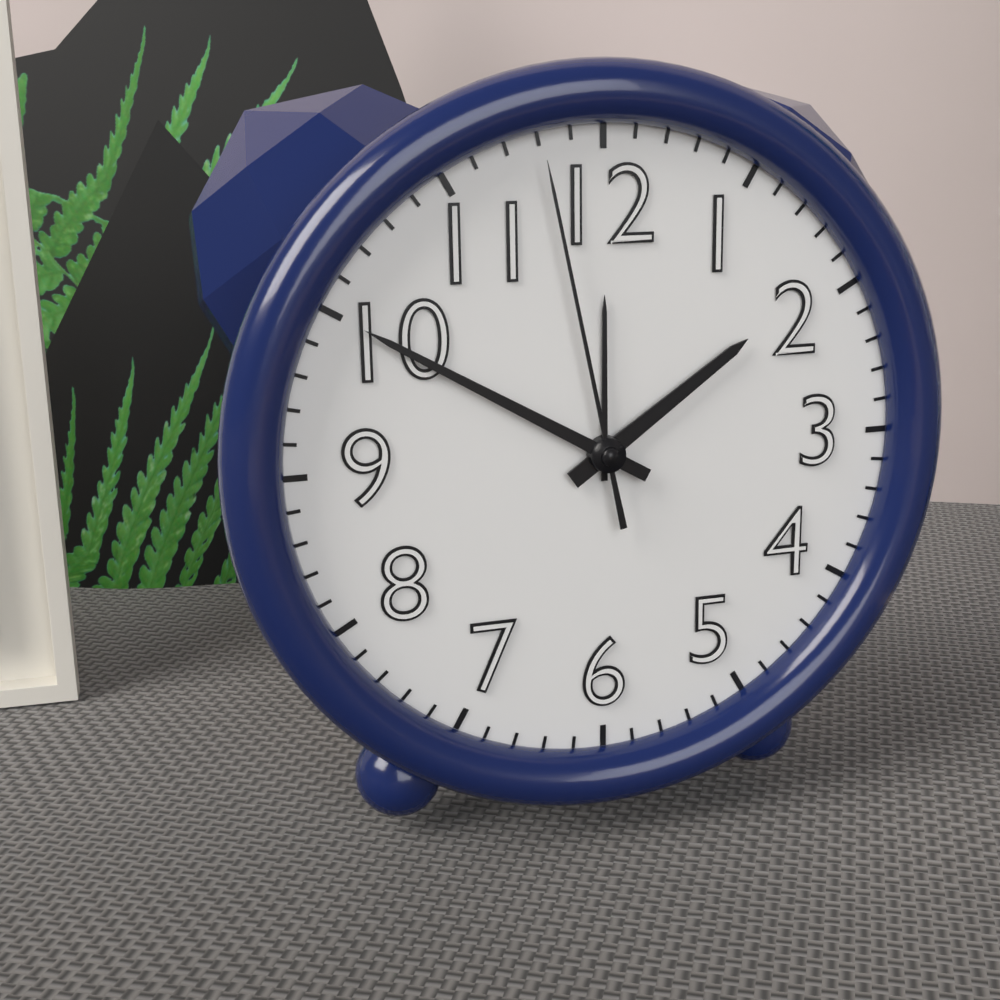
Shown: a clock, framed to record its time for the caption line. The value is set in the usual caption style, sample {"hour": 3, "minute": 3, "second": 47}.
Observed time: {"hour": 1, "minute": 50, "second": 58}
